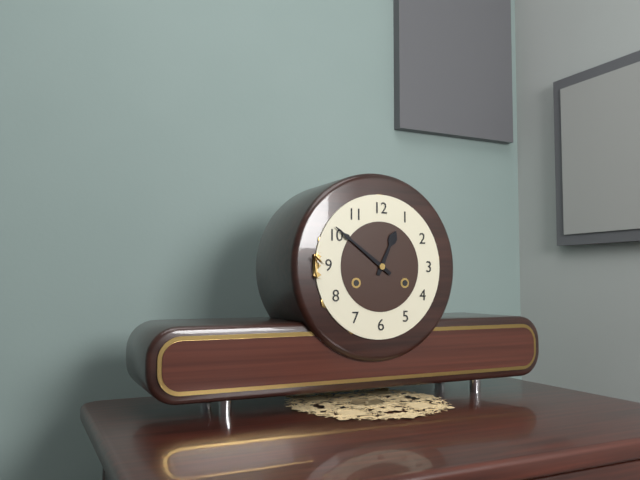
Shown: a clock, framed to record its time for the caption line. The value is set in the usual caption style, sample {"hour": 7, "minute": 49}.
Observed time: {"hour": 12, "minute": 51}
